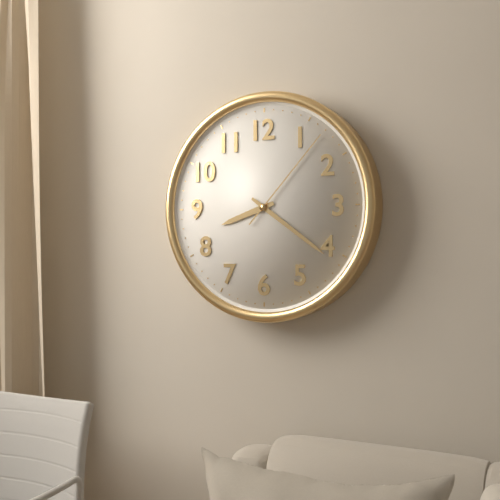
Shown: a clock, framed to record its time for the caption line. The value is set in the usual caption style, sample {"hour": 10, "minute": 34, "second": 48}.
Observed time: {"hour": 8, "minute": 21, "second": 7}
